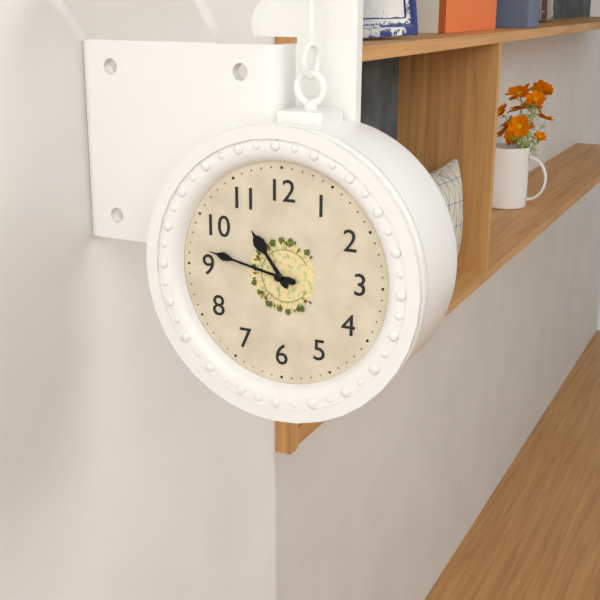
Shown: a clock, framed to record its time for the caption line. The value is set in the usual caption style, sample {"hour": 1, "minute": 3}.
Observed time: {"hour": 10, "minute": 47}
